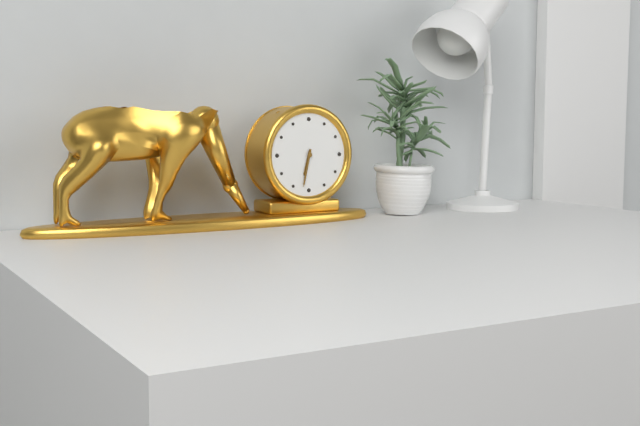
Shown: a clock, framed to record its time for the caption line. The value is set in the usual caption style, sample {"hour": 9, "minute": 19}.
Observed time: {"hour": 6, "minute": 32}
